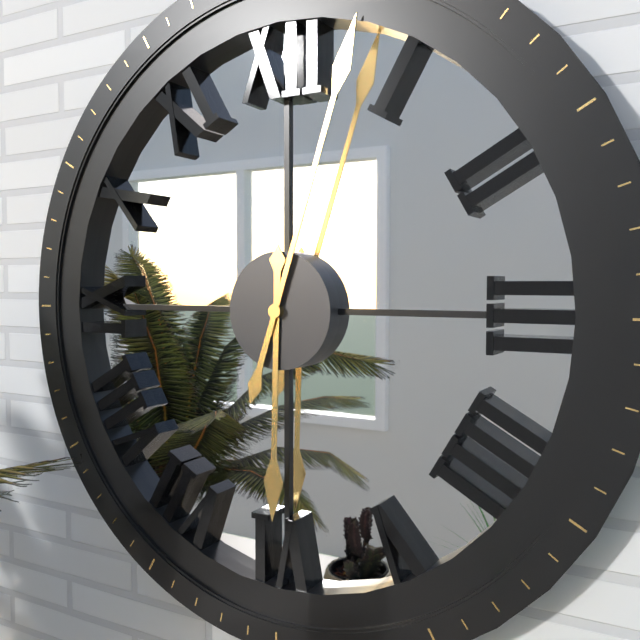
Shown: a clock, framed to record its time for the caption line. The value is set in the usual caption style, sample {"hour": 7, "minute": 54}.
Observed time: {"hour": 6, "minute": 3}
